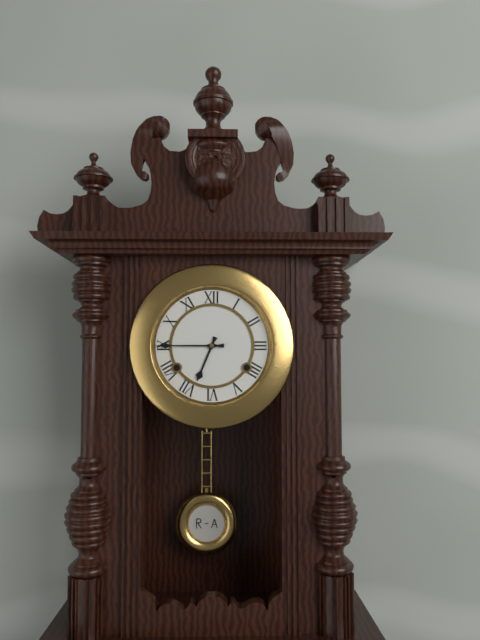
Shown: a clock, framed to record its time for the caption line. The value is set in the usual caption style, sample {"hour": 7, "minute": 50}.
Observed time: {"hour": 6, "minute": 45}
